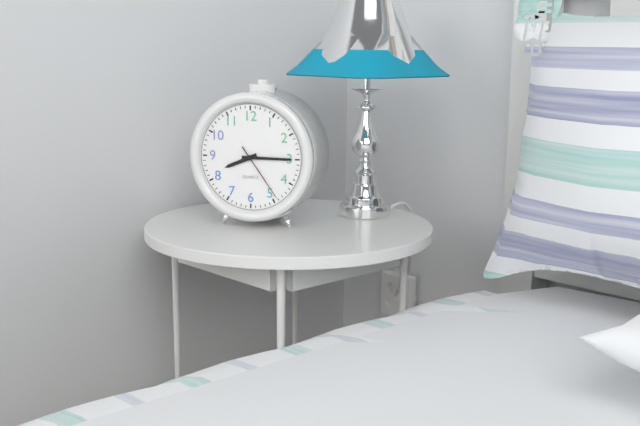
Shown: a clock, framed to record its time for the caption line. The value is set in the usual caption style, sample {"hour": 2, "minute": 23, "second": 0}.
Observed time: {"hour": 8, "minute": 15, "second": 24}
